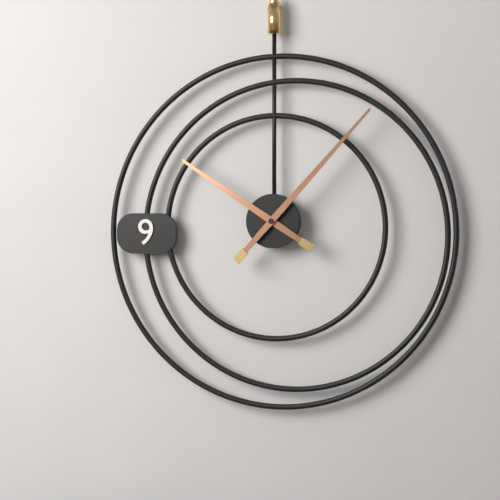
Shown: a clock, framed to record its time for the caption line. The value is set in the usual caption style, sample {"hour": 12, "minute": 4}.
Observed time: {"hour": 10, "minute": 7}
